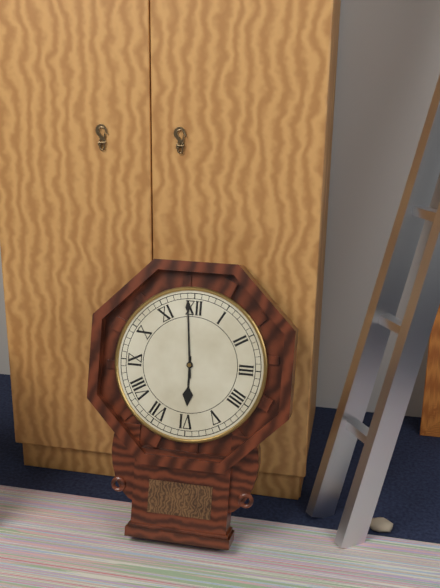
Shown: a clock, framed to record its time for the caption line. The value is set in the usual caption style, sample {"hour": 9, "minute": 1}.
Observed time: {"hour": 5, "minute": 59}
